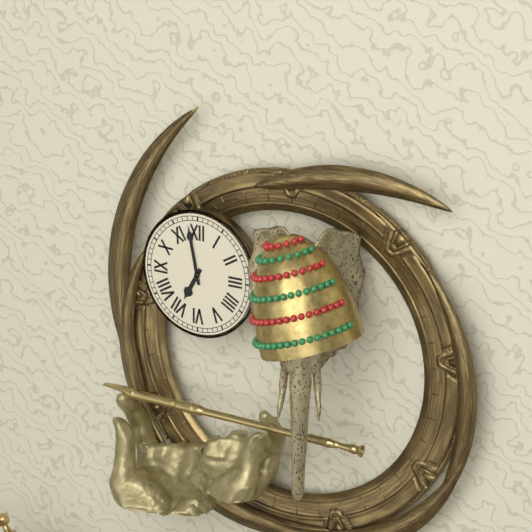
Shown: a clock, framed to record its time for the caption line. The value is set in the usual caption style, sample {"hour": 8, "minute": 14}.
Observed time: {"hour": 6, "minute": 58}
